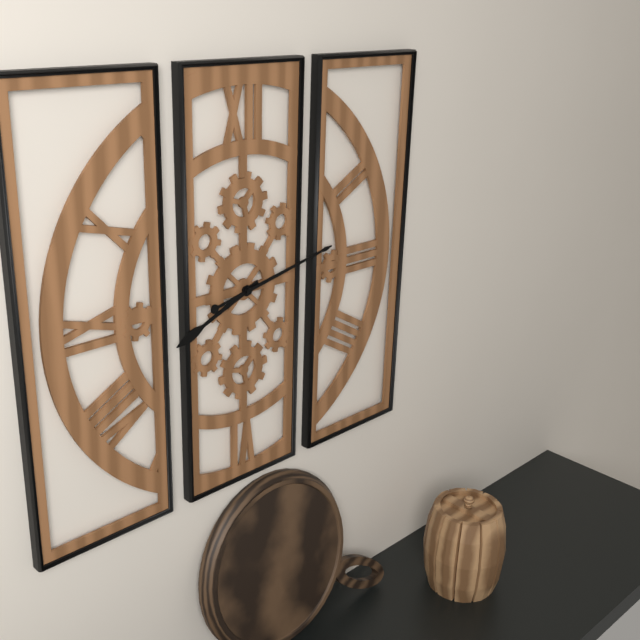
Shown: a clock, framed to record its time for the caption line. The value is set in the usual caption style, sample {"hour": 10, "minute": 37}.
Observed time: {"hour": 8, "minute": 13}
